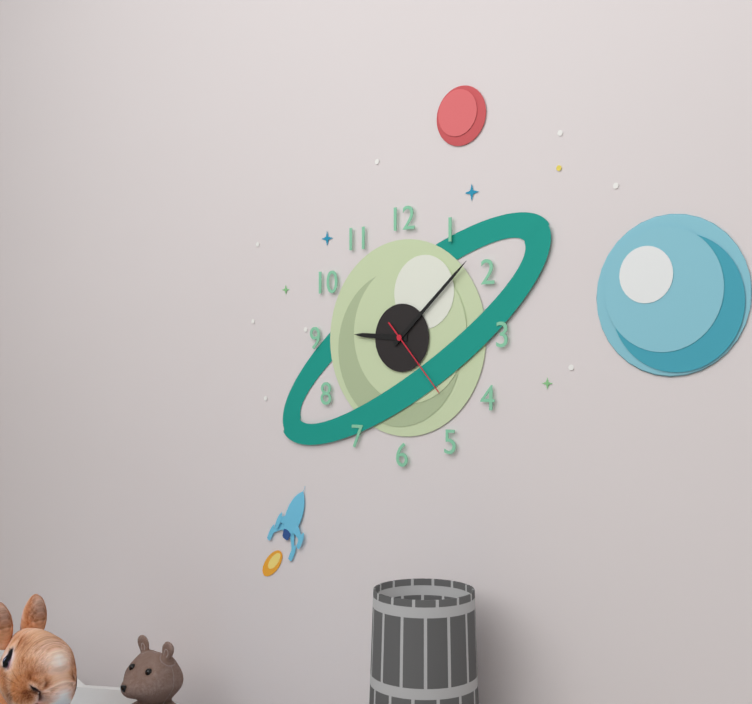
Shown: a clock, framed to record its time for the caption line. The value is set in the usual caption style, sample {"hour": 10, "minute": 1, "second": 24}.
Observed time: {"hour": 9, "minute": 8, "second": 23}
